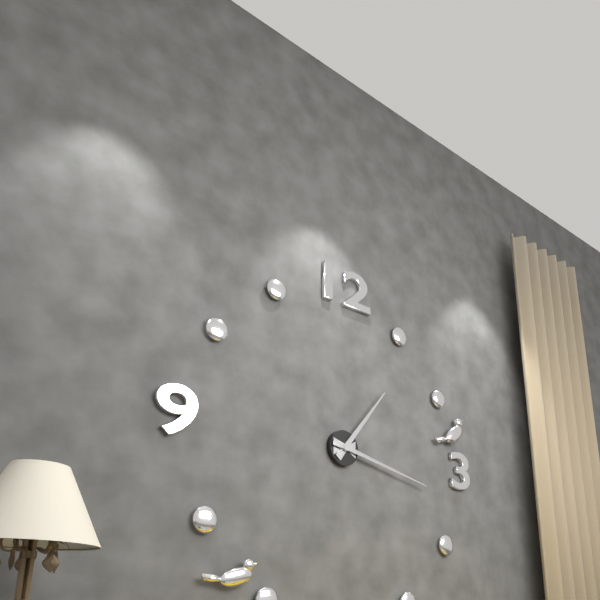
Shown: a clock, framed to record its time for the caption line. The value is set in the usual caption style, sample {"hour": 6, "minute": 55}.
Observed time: {"hour": 1, "minute": 17}
